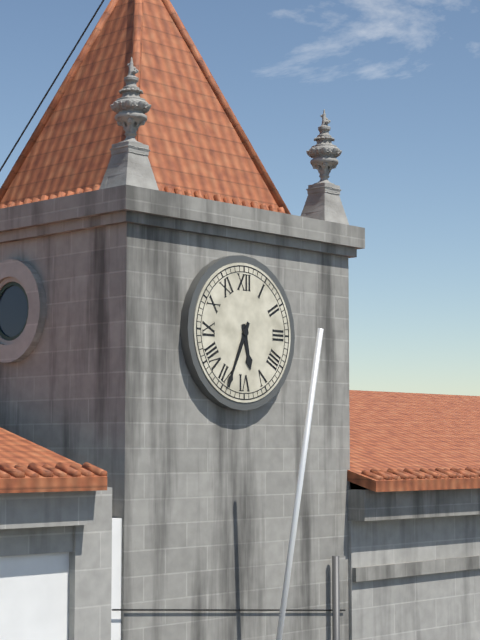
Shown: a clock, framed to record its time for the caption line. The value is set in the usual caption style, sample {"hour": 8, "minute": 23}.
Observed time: {"hour": 5, "minute": 34}
